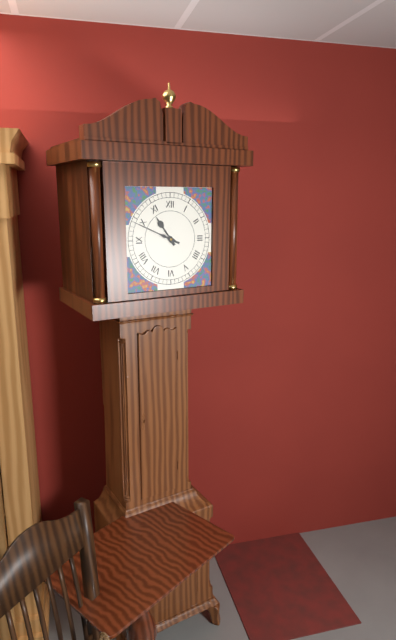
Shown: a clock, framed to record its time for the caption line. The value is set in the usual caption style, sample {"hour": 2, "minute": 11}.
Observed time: {"hour": 10, "minute": 49}
